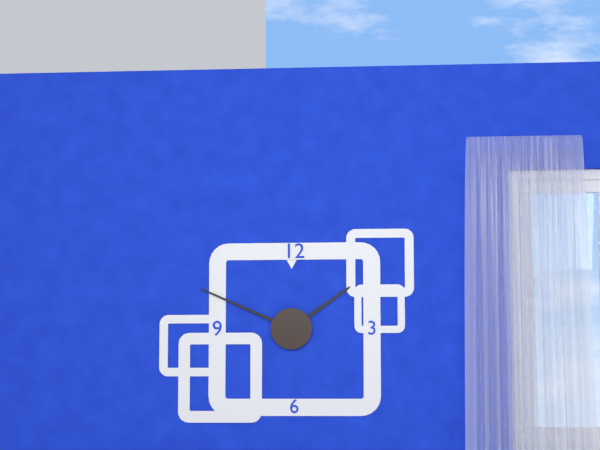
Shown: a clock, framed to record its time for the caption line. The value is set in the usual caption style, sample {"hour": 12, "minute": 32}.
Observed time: {"hour": 1, "minute": 49}
